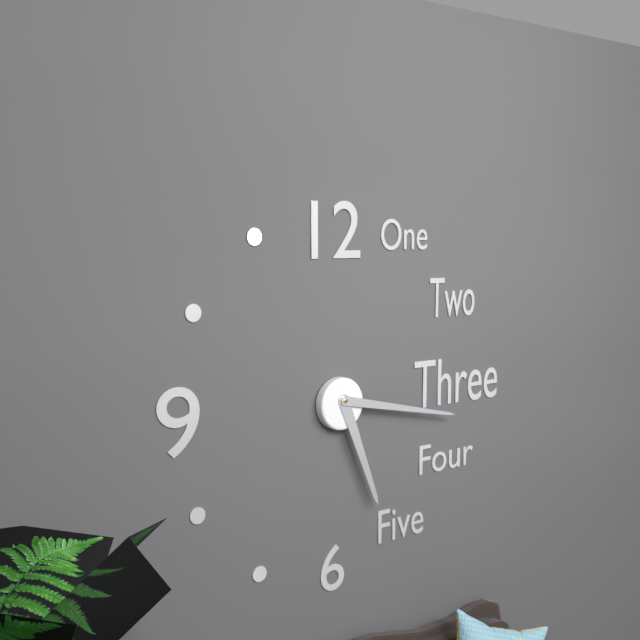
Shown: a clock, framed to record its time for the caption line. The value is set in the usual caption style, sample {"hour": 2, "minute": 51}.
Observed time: {"hour": 5, "minute": 17}
